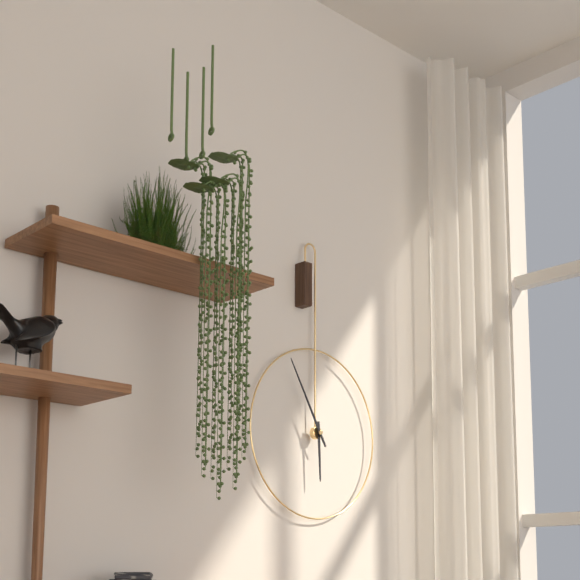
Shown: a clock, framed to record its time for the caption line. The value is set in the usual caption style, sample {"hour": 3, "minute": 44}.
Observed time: {"hour": 5, "minute": 55}
